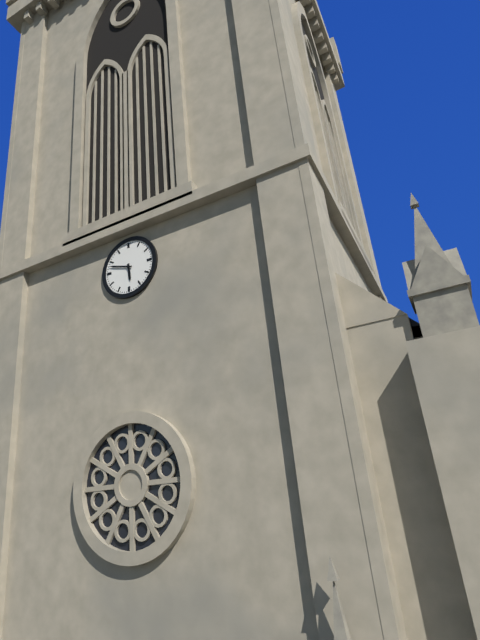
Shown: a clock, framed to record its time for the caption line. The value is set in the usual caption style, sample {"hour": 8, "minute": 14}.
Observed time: {"hour": 5, "minute": 48}
